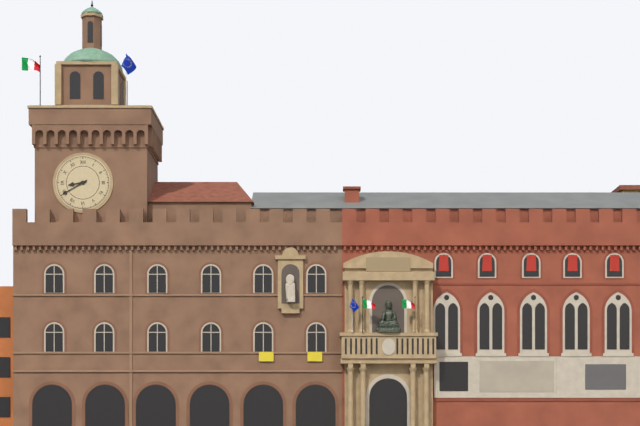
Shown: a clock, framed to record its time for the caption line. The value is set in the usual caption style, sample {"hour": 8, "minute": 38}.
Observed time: {"hour": 8, "minute": 40}
